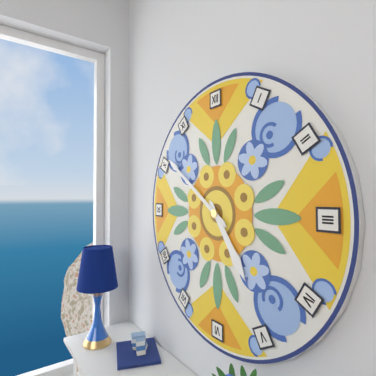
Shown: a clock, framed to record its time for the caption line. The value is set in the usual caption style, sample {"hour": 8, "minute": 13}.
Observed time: {"hour": 4, "minute": 51}
